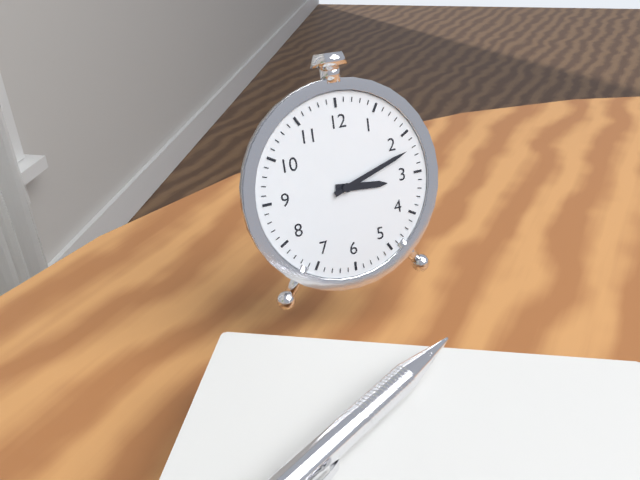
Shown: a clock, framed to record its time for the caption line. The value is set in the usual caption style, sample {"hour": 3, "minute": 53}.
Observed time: {"hour": 3, "minute": 12}
